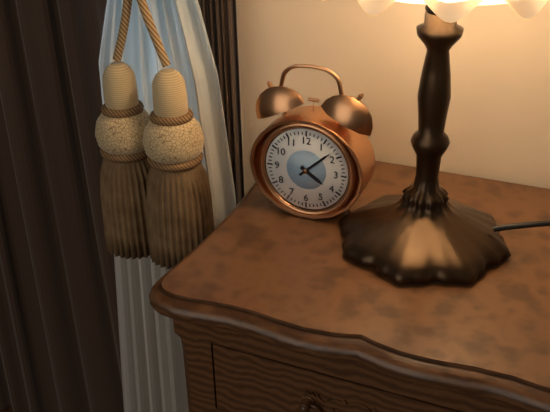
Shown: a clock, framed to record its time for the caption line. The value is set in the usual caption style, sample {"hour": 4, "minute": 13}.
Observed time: {"hour": 4, "minute": 8}
